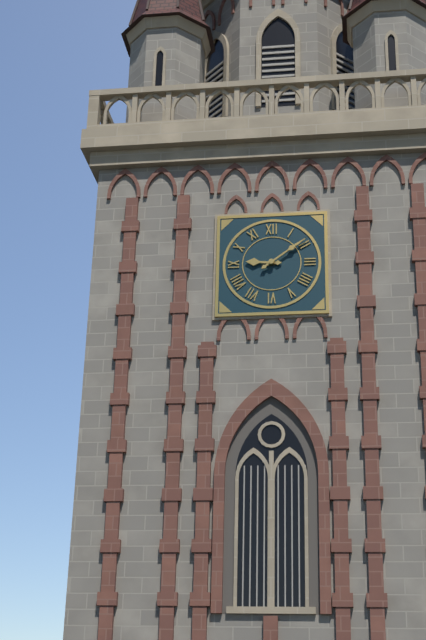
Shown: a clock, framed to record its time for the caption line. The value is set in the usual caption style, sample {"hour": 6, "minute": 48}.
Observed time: {"hour": 9, "minute": 9}
